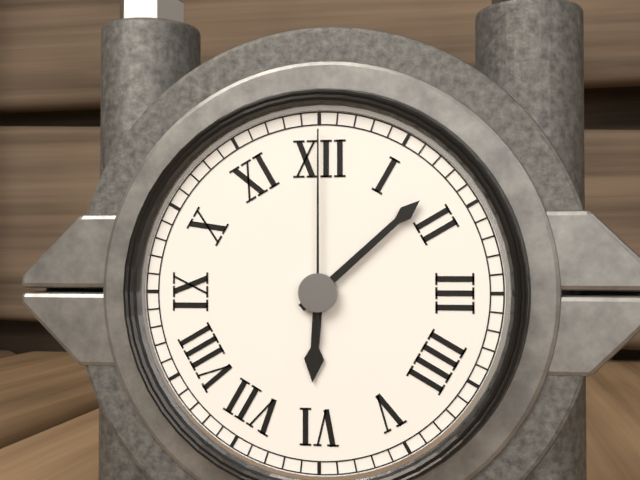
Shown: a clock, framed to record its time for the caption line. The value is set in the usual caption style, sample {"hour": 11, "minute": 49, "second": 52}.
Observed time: {"hour": 6, "minute": 8, "second": 0}
